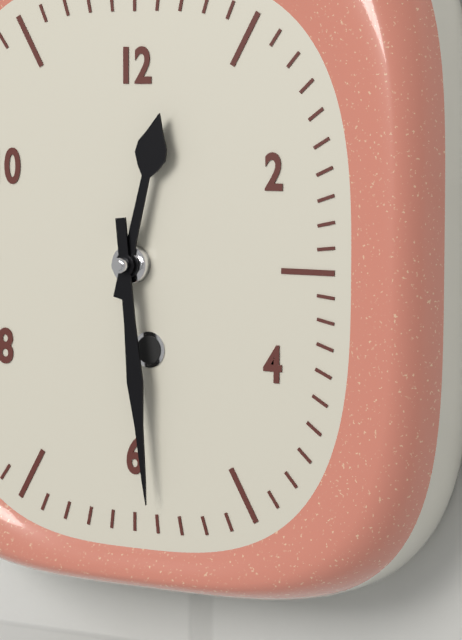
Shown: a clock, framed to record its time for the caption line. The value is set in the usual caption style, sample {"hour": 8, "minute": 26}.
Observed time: {"hour": 12, "minute": 29}
